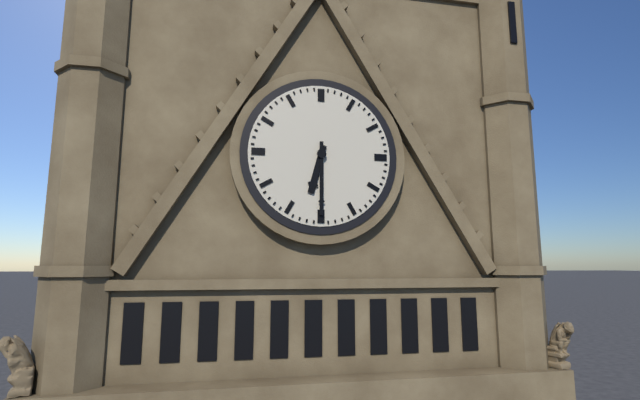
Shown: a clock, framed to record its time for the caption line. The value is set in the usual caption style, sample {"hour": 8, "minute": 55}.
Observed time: {"hour": 6, "minute": 30}
